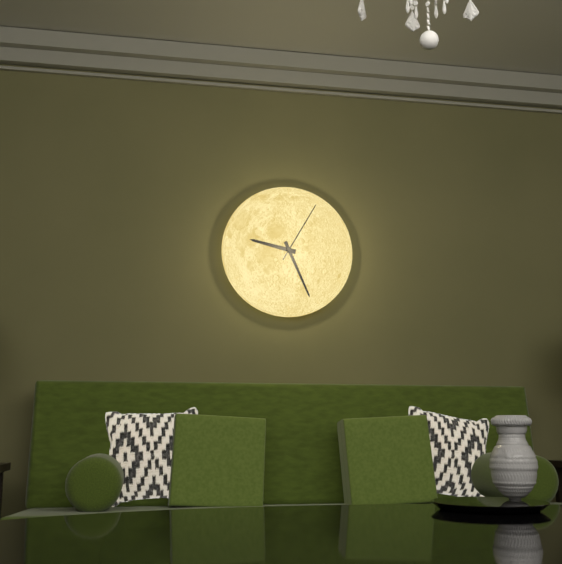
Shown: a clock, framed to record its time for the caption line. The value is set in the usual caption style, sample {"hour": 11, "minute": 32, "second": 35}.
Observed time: {"hour": 9, "minute": 26, "second": 5}
